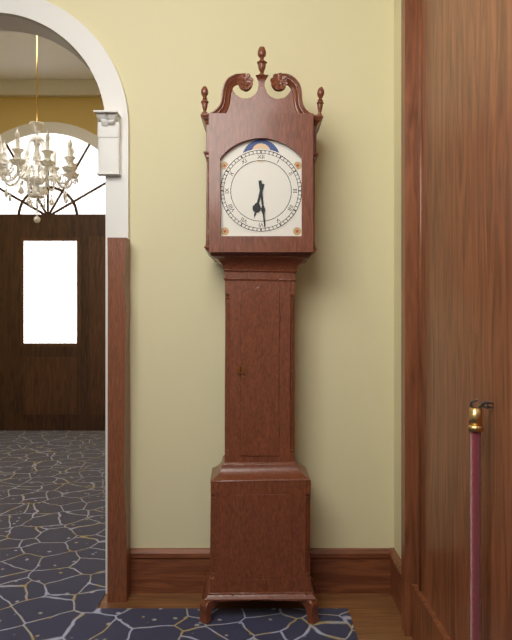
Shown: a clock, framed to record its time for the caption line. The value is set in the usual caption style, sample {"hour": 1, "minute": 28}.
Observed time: {"hour": 6, "minute": 29}
